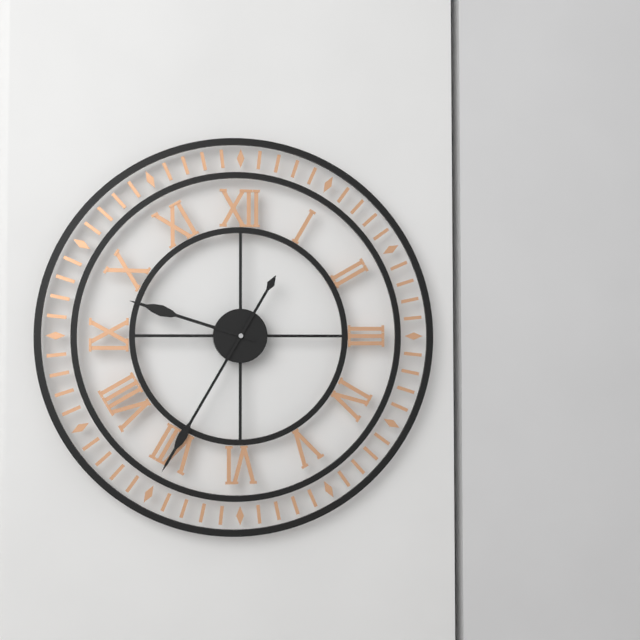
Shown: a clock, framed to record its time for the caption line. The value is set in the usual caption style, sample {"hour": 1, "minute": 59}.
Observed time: {"hour": 9, "minute": 35}
